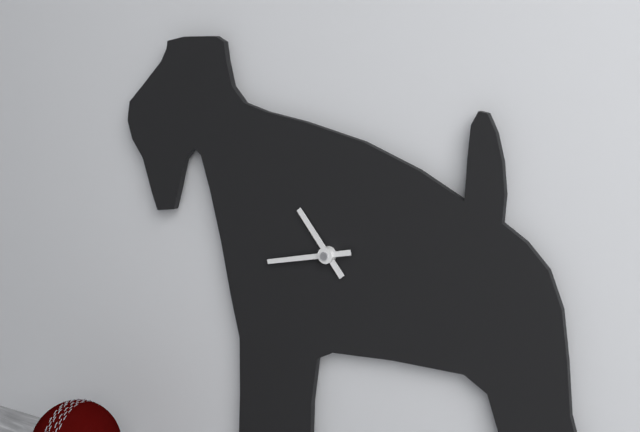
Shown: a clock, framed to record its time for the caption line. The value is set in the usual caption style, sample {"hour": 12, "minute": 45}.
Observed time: {"hour": 10, "minute": 43}
